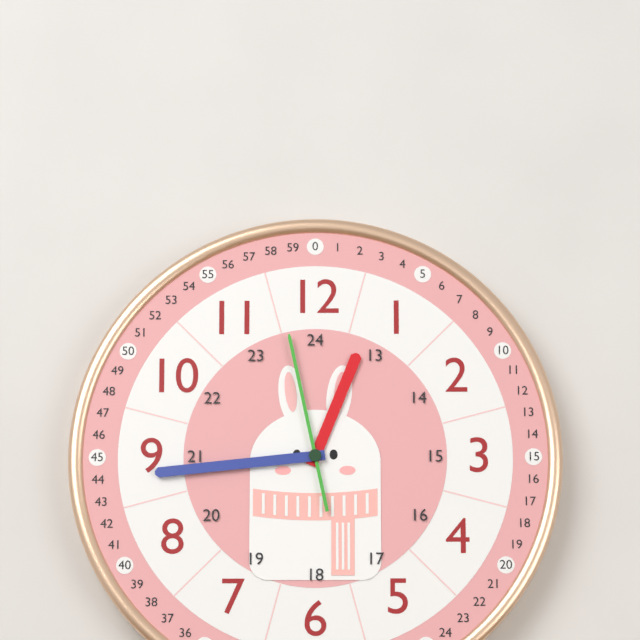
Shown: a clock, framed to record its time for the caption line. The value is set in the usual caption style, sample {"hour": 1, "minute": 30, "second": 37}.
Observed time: {"hour": 12, "minute": 44, "second": 58}
